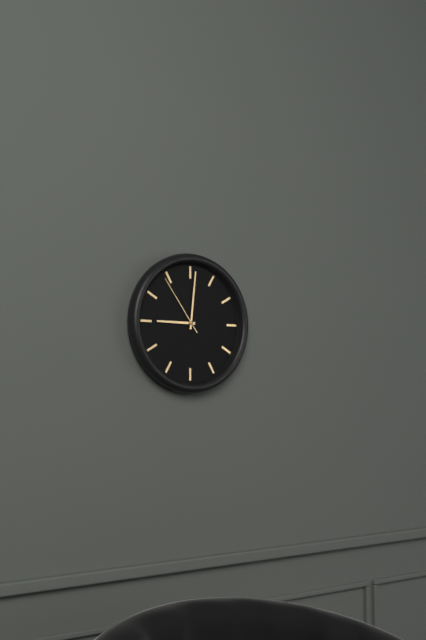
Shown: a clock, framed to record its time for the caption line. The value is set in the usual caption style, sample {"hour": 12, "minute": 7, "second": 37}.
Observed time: {"hour": 9, "minute": 1, "second": 54}
